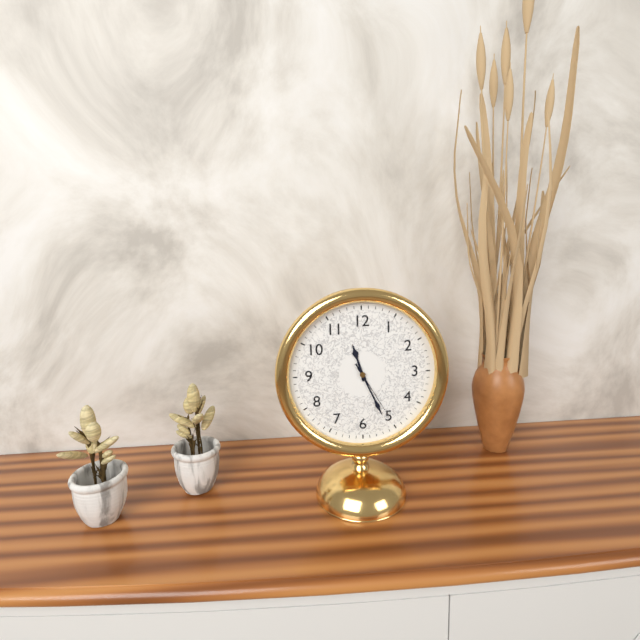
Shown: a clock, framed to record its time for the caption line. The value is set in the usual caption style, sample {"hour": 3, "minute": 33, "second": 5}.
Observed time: {"hour": 11, "minute": 26, "second": 25}
